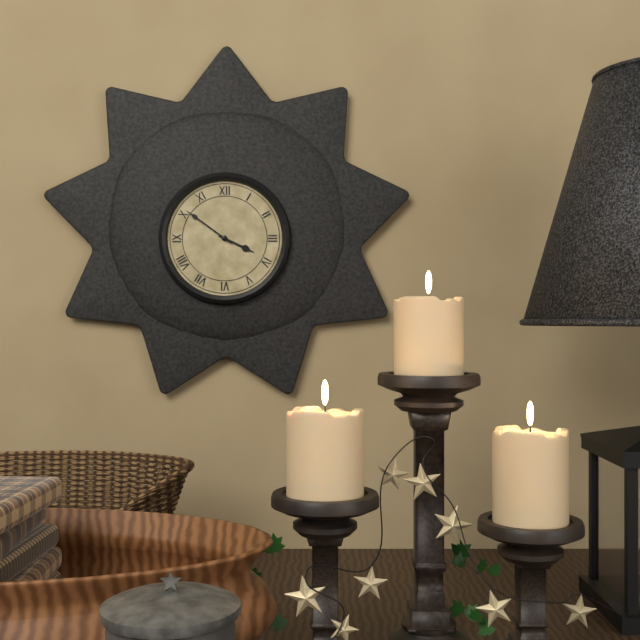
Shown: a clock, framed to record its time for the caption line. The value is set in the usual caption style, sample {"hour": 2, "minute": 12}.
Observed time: {"hour": 3, "minute": 51}
